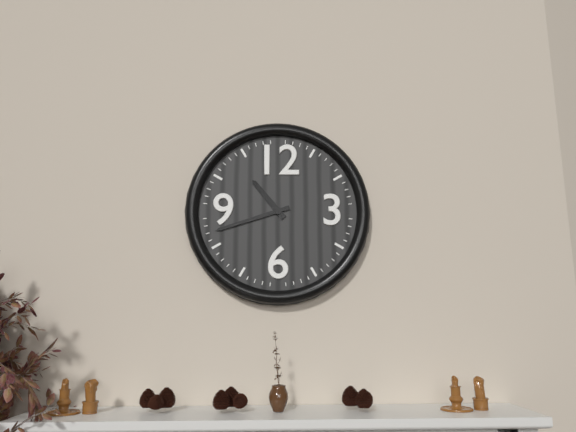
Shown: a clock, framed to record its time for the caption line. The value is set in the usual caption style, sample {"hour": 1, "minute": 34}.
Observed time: {"hour": 10, "minute": 42}
